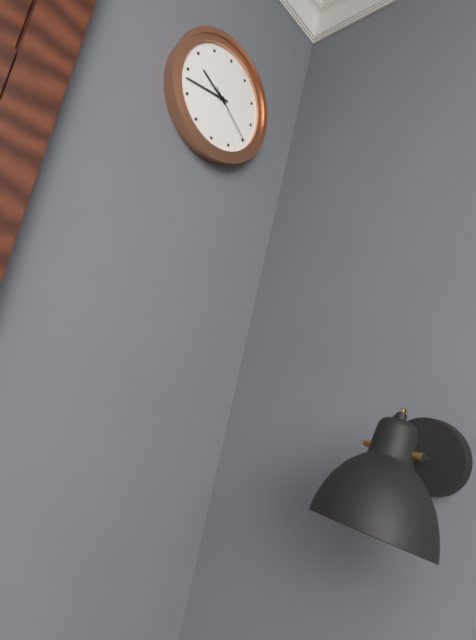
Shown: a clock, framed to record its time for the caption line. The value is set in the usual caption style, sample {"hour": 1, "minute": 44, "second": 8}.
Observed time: {"hour": 9, "minute": 43, "second": 20}
